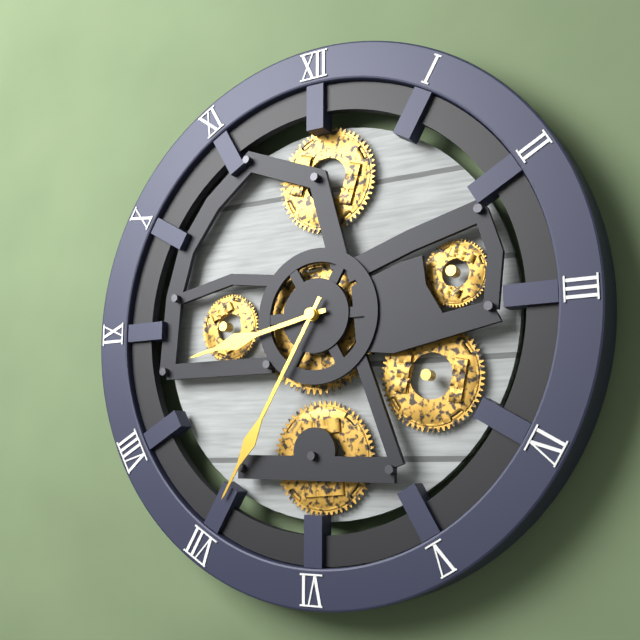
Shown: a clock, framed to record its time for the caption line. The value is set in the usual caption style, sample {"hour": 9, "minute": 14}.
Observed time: {"hour": 8, "minute": 35}
